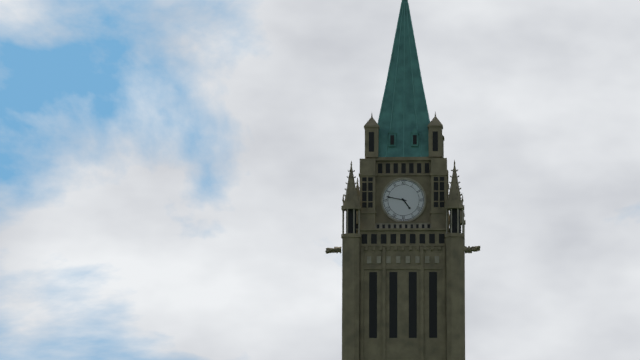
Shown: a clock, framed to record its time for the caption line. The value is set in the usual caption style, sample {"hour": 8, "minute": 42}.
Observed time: {"hour": 4, "minute": 47}
